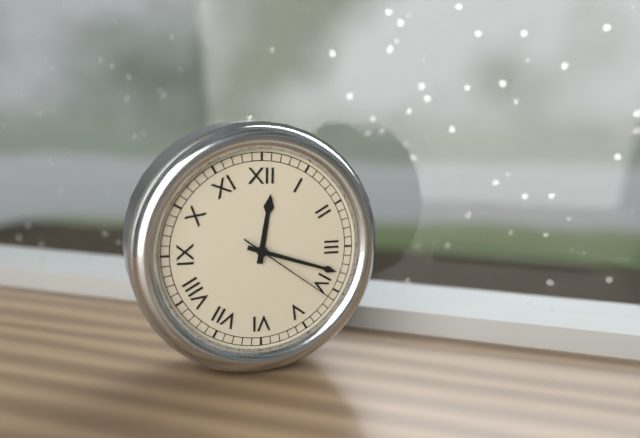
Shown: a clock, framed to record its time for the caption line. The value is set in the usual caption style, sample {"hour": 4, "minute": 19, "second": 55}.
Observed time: {"hour": 12, "minute": 18, "second": 21}
